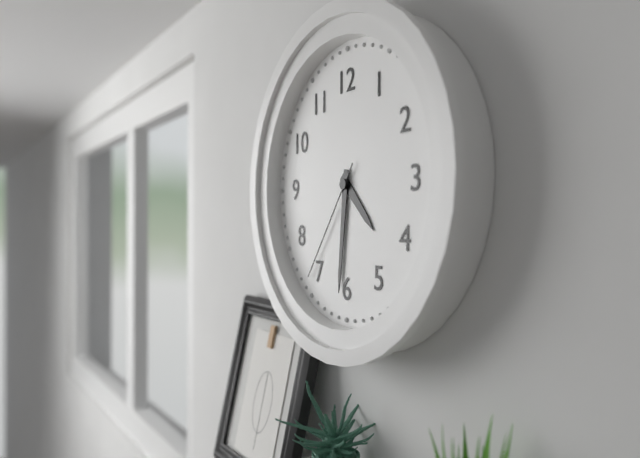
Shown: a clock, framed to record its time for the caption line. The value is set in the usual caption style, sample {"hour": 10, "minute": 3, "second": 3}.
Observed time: {"hour": 4, "minute": 31, "second": 36}
